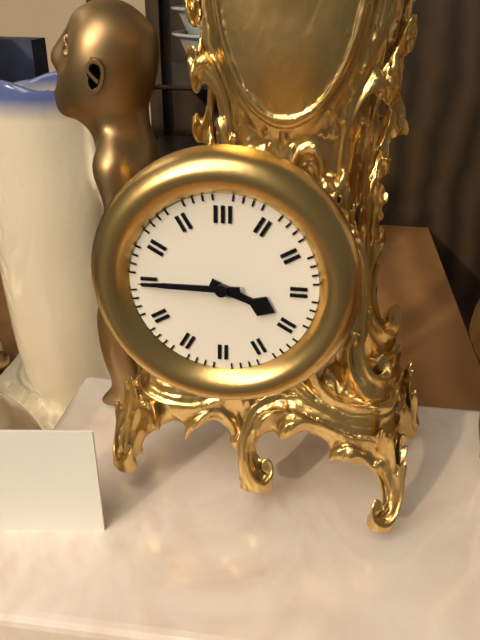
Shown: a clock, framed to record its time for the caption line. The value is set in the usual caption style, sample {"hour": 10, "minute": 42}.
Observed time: {"hour": 3, "minute": 45}
